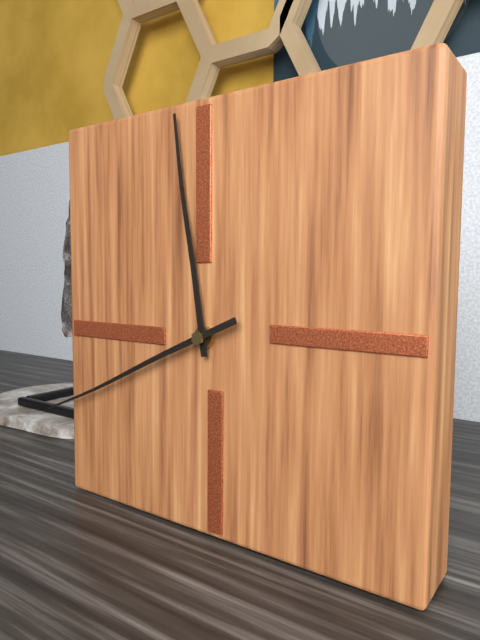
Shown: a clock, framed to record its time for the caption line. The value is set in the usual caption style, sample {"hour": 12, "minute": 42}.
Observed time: {"hour": 11, "minute": 41}
